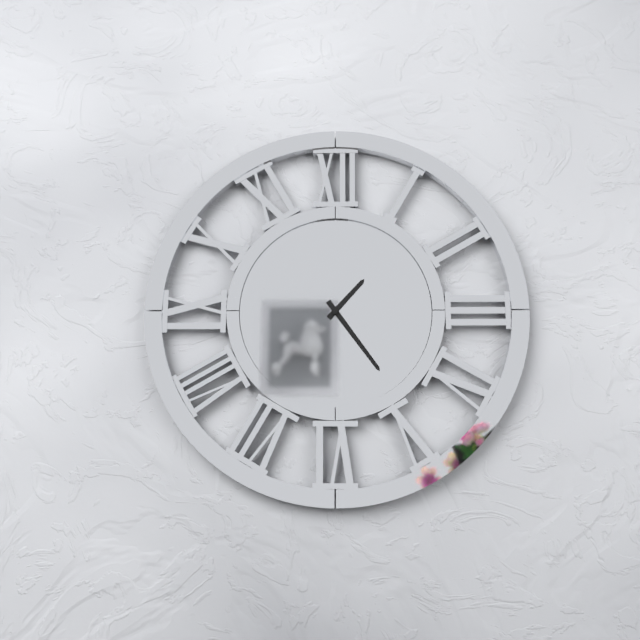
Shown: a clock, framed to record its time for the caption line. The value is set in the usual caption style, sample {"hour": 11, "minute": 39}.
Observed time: {"hour": 1, "minute": 24}
